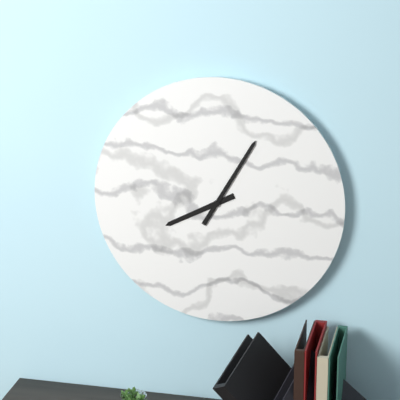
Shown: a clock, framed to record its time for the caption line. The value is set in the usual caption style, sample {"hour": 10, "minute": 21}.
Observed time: {"hour": 8, "minute": 5}
